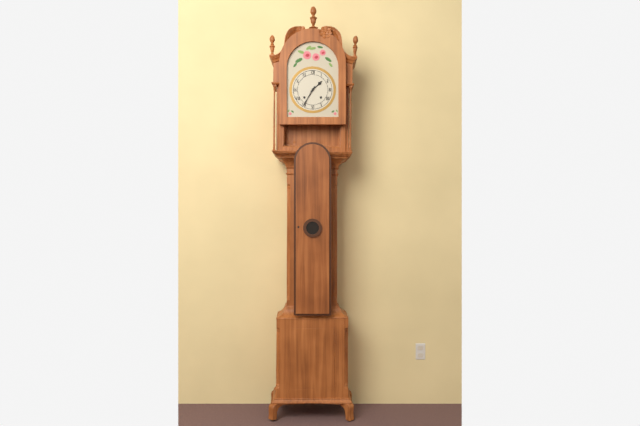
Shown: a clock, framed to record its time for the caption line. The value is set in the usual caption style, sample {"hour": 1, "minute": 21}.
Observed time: {"hour": 1, "minute": 35}
